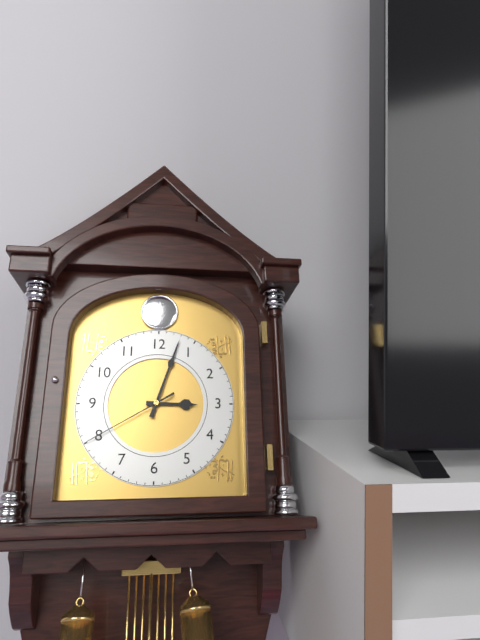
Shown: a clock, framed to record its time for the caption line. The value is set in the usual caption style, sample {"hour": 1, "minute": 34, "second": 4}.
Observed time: {"hour": 3, "minute": 3, "second": 40}
